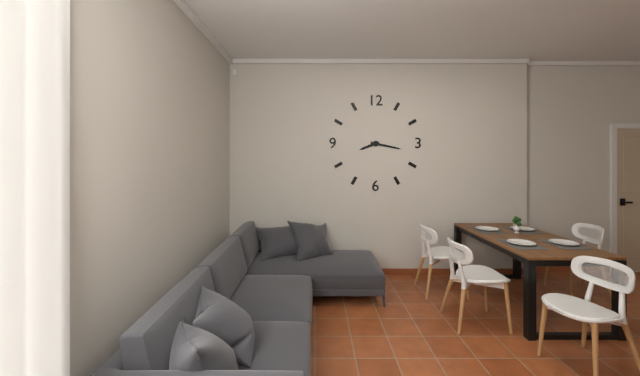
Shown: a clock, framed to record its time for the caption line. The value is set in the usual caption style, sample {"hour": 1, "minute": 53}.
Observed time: {"hour": 8, "minute": 17}
